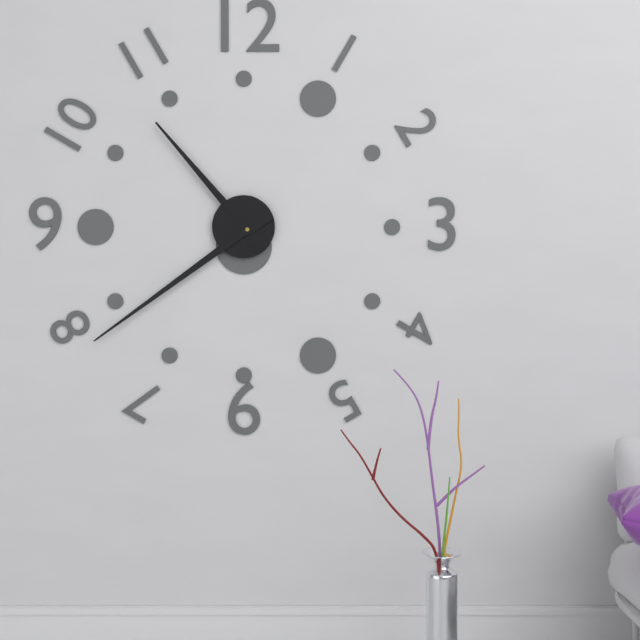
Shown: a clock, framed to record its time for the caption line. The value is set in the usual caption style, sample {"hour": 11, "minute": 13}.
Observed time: {"hour": 10, "minute": 39}
